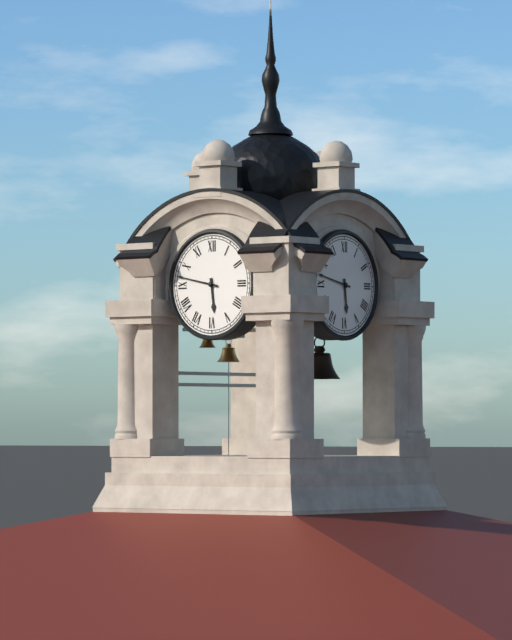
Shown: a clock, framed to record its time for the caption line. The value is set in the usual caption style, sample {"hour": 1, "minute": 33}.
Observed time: {"hour": 5, "minute": 47}
